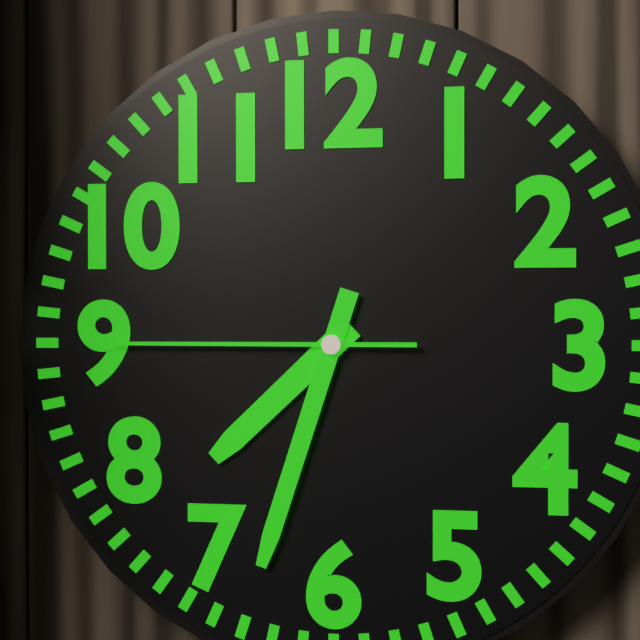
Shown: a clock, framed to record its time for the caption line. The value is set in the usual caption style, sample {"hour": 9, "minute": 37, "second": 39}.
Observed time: {"hour": 7, "minute": 33, "second": 45}
